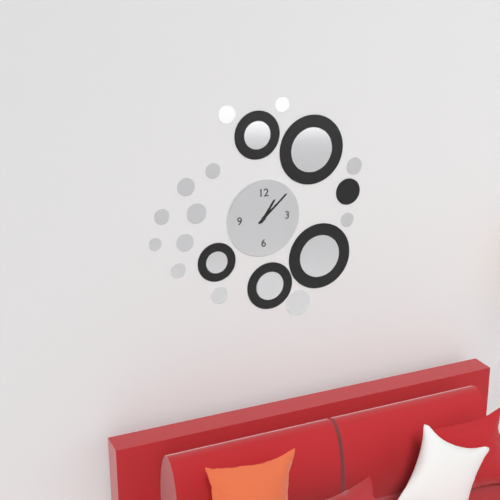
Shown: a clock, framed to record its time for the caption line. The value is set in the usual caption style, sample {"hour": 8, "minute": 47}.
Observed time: {"hour": 1, "minute": 8}
